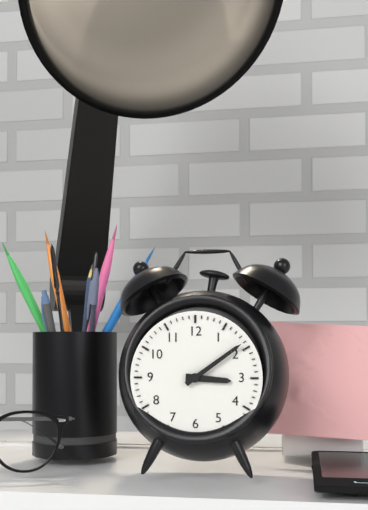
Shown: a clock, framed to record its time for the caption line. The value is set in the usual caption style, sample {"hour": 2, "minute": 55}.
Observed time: {"hour": 3, "minute": 9}
